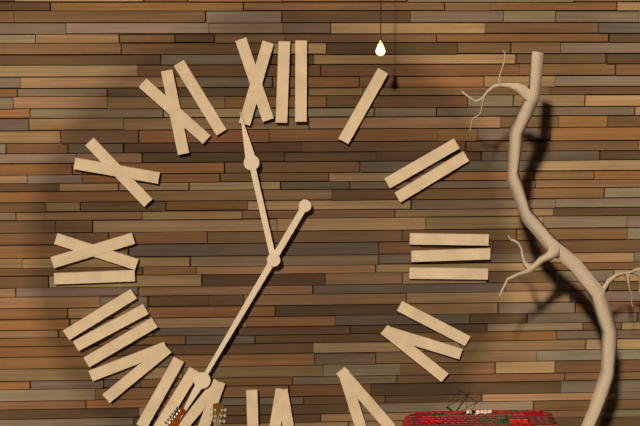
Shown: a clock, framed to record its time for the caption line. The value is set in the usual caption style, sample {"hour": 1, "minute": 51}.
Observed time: {"hour": 11, "minute": 35}
